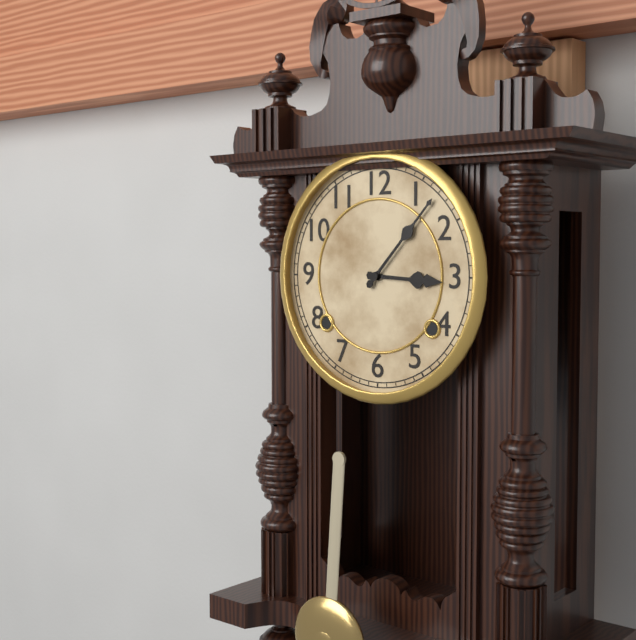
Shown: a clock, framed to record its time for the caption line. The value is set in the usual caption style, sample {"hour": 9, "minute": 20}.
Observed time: {"hour": 3, "minute": 7}
